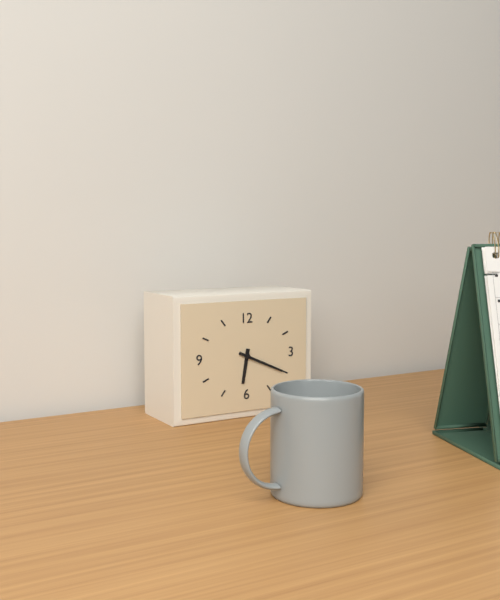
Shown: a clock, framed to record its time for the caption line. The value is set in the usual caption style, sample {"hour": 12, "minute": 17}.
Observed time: {"hour": 6, "minute": 19}
